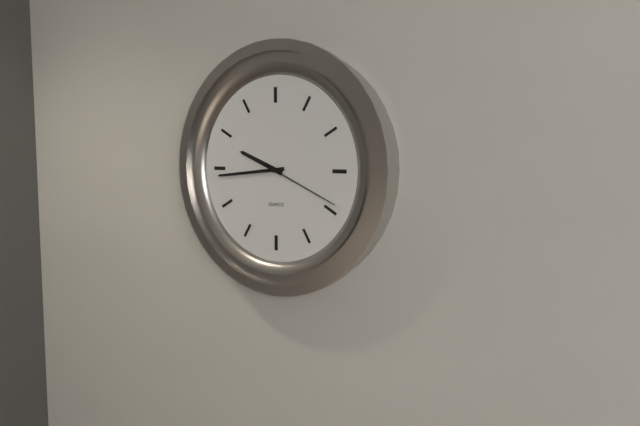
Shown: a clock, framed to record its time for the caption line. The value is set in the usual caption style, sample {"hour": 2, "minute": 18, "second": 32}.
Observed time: {"hour": 9, "minute": 44, "second": 19}
